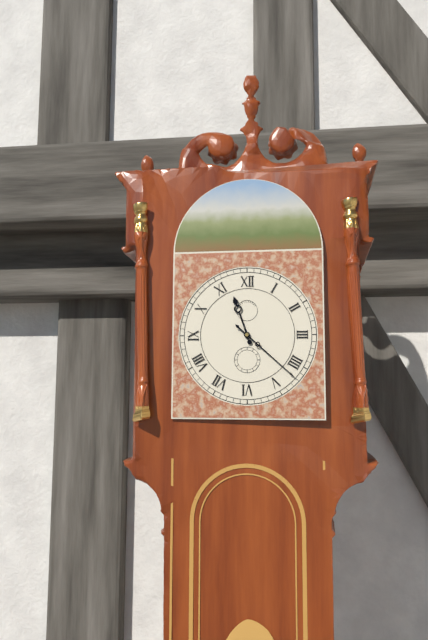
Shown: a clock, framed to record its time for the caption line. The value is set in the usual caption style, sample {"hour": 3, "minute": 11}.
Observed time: {"hour": 11, "minute": 22}
